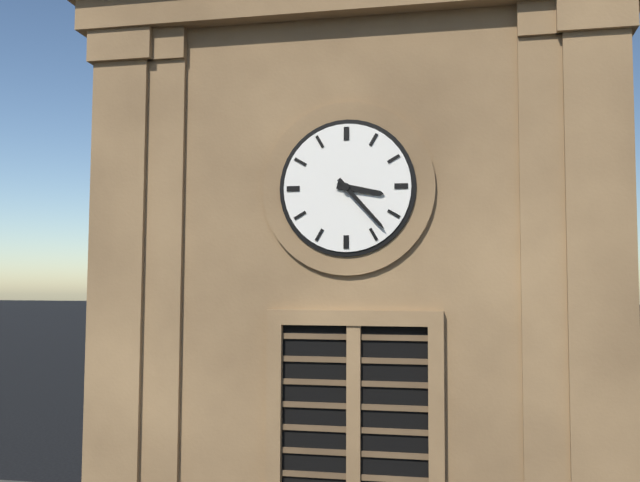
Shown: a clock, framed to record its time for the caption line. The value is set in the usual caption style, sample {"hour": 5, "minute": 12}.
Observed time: {"hour": 3, "minute": 23}
